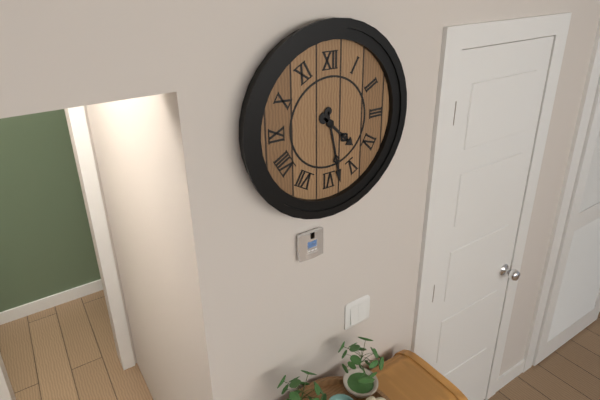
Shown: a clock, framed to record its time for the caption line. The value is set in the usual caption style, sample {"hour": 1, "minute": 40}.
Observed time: {"hour": 4, "minute": 28}
